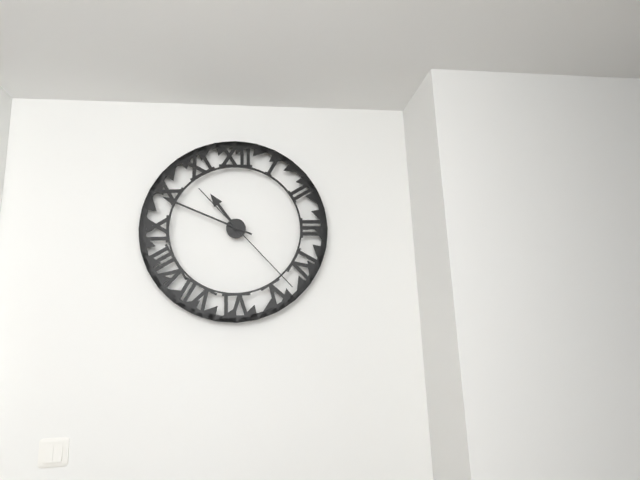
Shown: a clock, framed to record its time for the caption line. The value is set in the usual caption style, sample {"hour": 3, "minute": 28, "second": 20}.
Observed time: {"hour": 10, "minute": 49, "second": 23}
